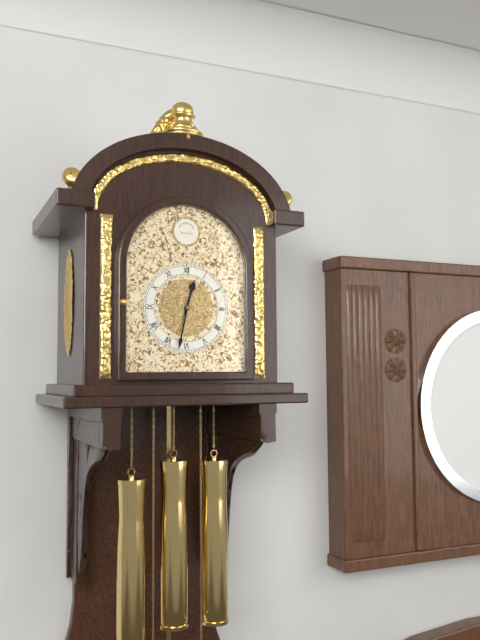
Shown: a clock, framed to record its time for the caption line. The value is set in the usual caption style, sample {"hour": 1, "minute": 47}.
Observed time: {"hour": 12, "minute": 32}
